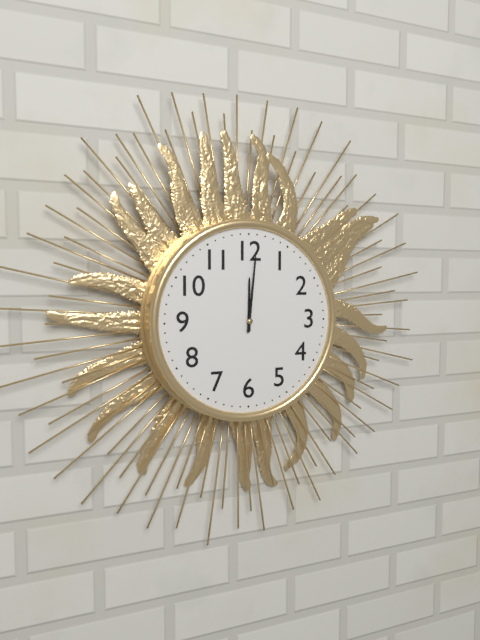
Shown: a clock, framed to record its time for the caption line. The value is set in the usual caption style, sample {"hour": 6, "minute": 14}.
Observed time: {"hour": 12, "minute": 1}
